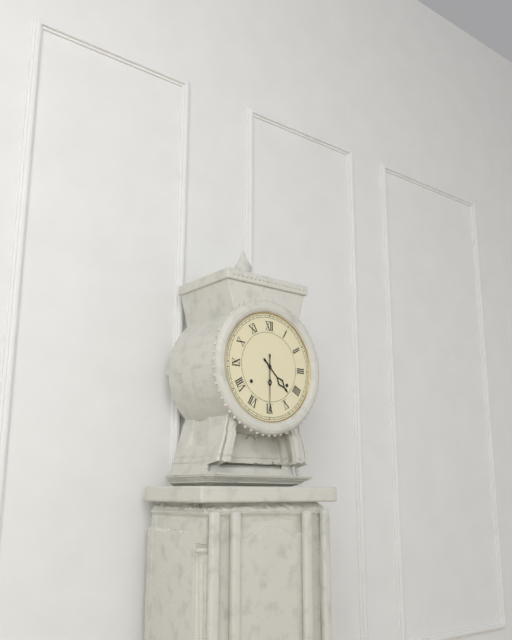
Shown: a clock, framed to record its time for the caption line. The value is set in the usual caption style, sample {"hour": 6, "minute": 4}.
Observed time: {"hour": 4, "minute": 30}
